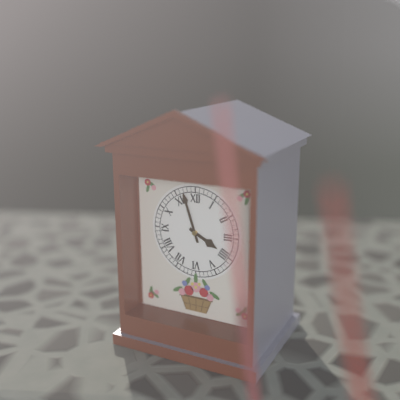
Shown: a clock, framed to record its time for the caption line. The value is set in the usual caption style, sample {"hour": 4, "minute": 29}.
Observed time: {"hour": 3, "minute": 57}
